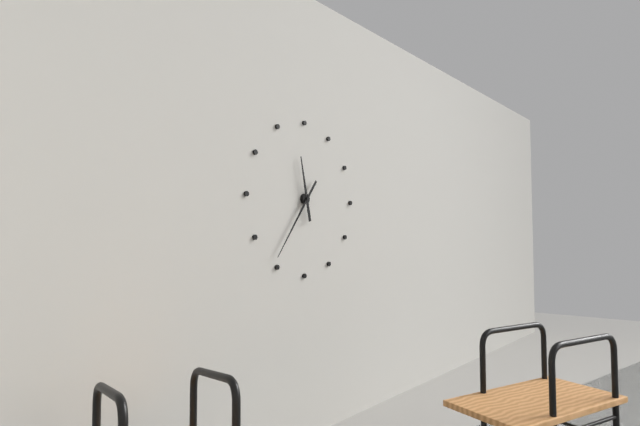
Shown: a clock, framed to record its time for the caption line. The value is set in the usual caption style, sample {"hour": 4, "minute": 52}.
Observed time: {"hour": 11, "minute": 36}
